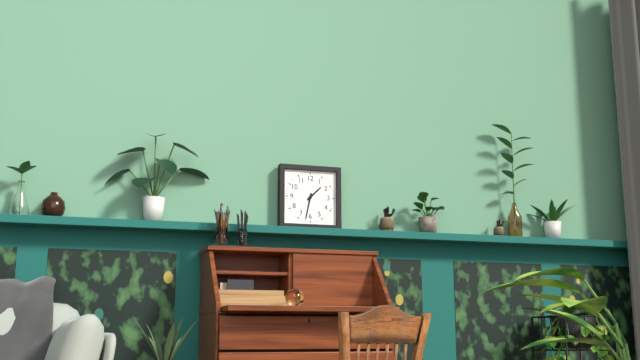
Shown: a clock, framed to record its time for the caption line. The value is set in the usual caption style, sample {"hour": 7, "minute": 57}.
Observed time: {"hour": 1, "minute": 32}
